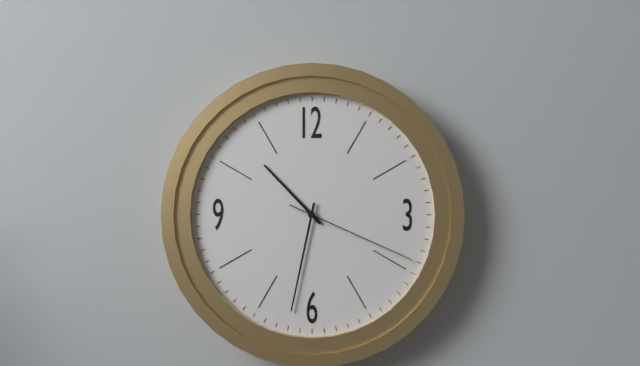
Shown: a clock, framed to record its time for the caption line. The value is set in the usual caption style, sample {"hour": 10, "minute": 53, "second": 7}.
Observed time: {"hour": 10, "minute": 32, "second": 19}
